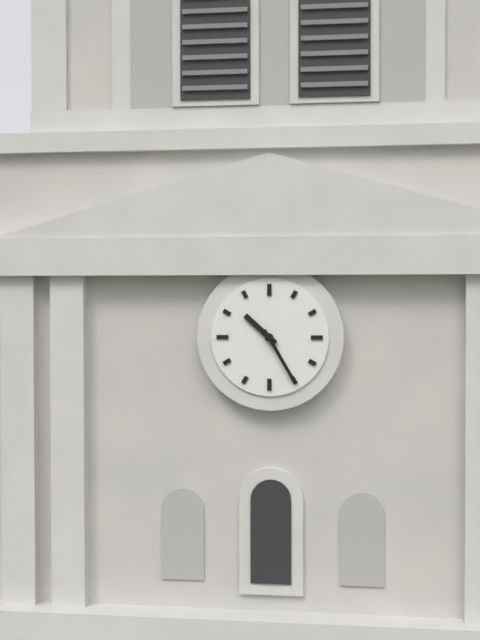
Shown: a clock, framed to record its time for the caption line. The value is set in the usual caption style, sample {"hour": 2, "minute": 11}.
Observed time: {"hour": 10, "minute": 25}
